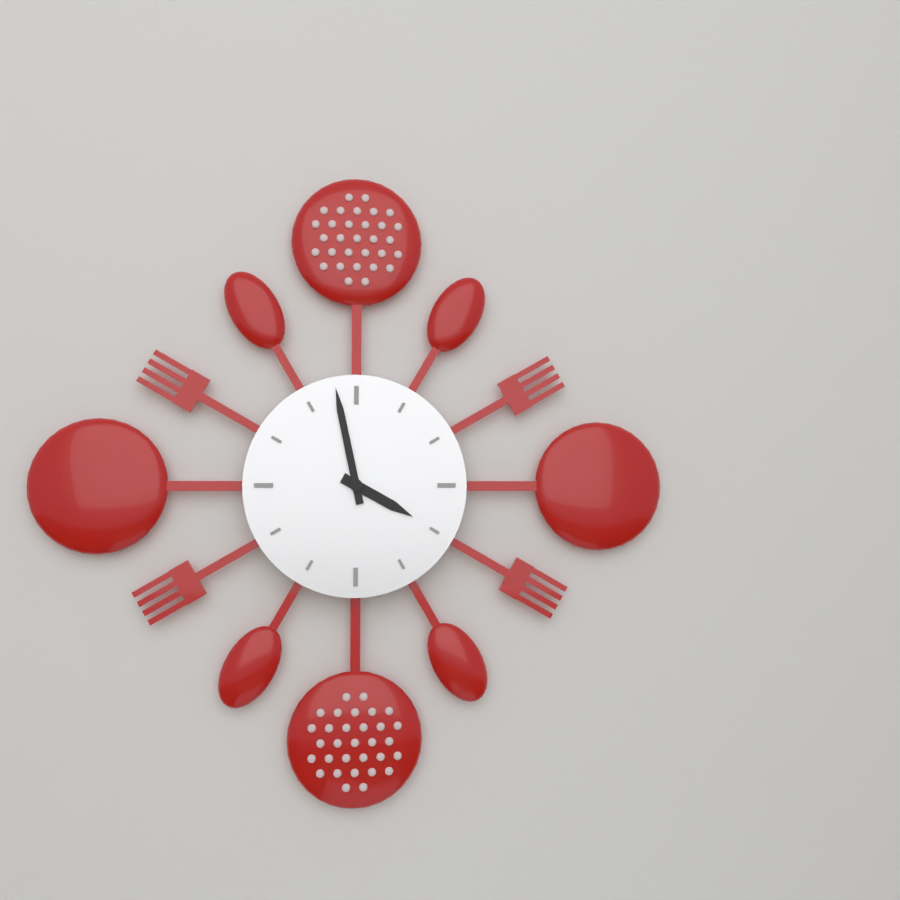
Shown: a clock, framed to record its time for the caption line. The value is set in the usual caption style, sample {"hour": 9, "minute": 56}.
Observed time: {"hour": 3, "minute": 58}
